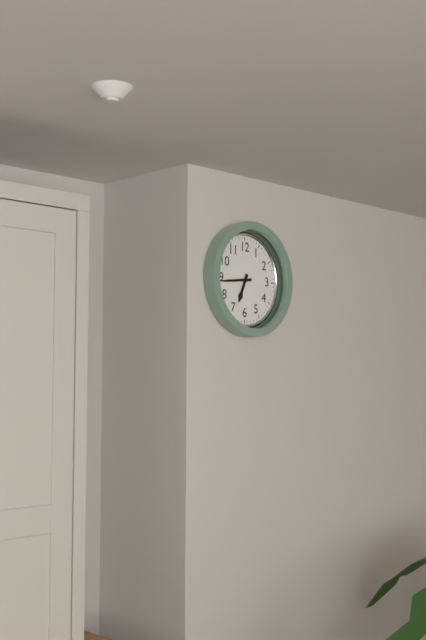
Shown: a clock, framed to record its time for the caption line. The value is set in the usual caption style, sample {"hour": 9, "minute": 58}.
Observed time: {"hour": 6, "minute": 44}
